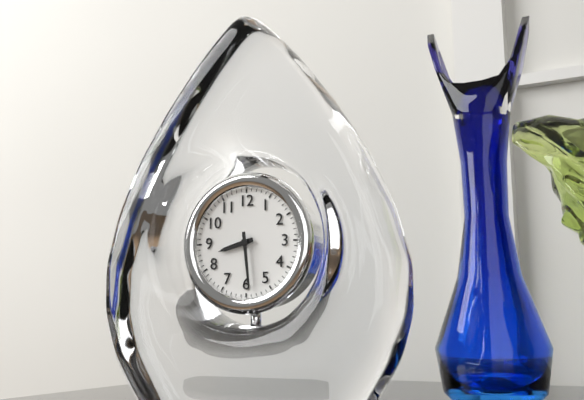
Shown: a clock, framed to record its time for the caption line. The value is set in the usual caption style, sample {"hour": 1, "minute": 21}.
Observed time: {"hour": 8, "minute": 29}
